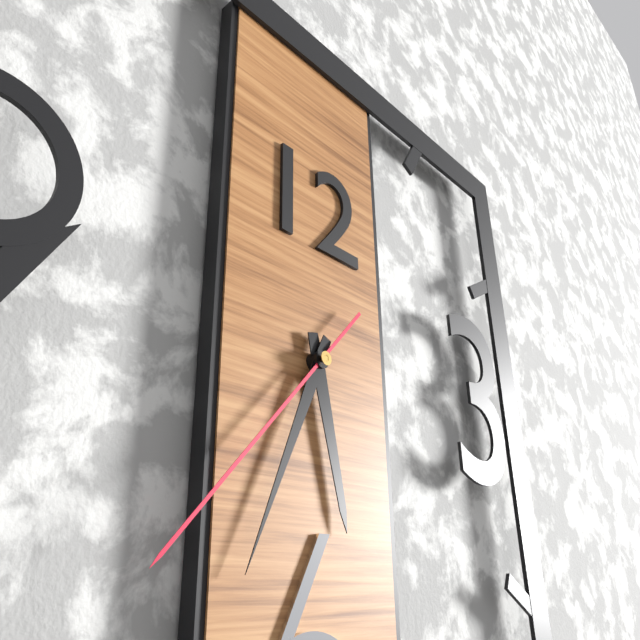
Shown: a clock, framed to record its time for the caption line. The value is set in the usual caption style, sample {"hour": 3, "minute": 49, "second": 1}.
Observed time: {"hour": 5, "minute": 34, "second": 37}
